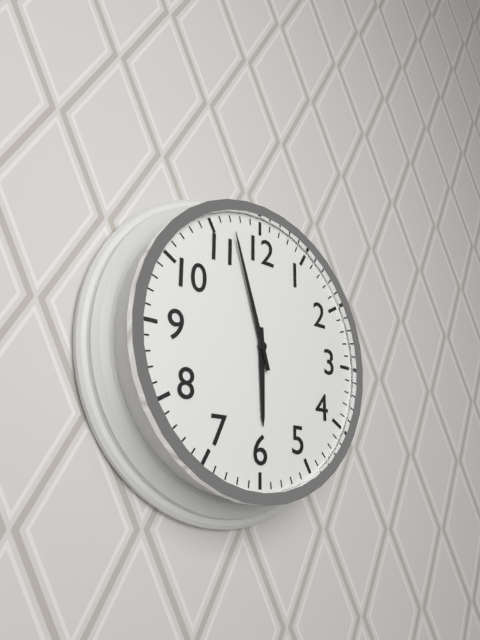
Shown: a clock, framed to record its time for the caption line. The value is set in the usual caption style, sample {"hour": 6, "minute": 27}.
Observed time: {"hour": 5, "minute": 57}
